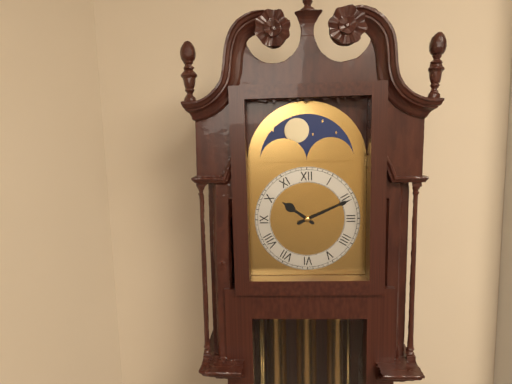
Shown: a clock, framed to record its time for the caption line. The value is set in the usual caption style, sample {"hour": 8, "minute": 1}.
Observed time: {"hour": 10, "minute": 11}
